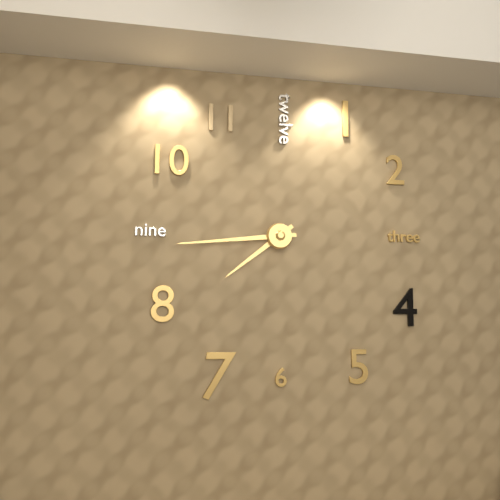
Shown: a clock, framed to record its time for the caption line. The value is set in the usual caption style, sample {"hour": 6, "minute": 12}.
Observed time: {"hour": 7, "minute": 44}
